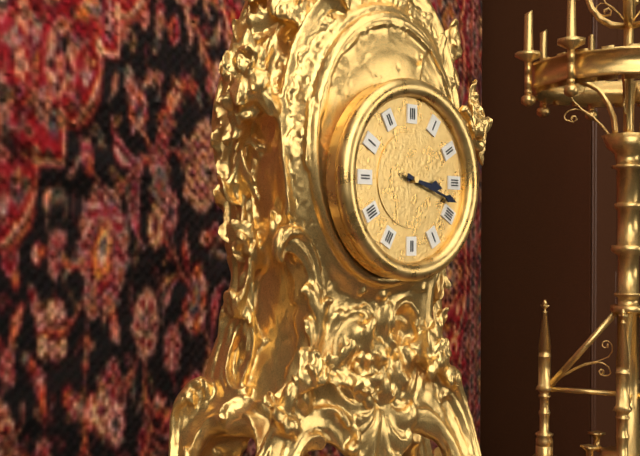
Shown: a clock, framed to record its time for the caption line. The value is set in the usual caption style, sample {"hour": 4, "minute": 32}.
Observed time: {"hour": 3, "minute": 18}
